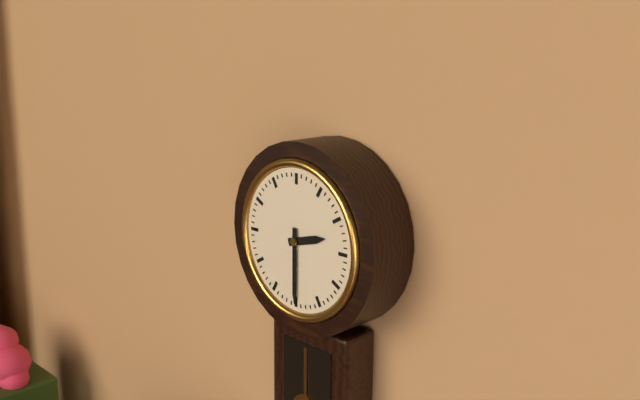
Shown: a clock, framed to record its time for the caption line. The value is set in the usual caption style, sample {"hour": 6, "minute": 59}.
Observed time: {"hour": 2, "minute": 30}
